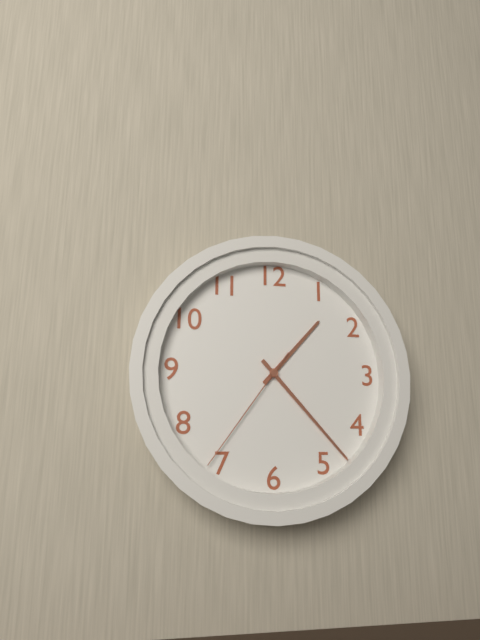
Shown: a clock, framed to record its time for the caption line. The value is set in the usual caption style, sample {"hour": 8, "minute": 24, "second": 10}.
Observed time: {"hour": 1, "minute": 23, "second": 36}
